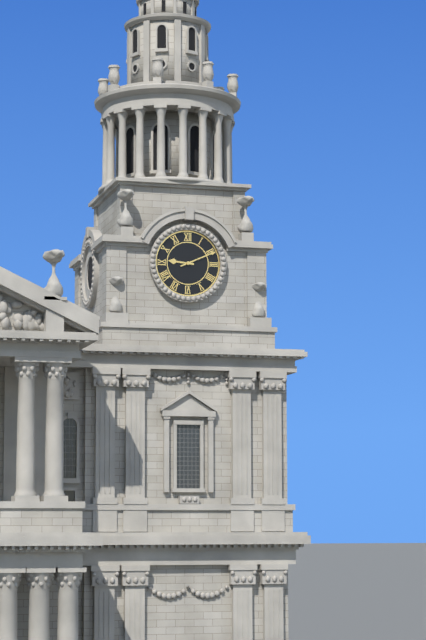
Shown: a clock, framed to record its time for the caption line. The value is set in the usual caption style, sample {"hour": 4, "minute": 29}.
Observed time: {"hour": 9, "minute": 11}
